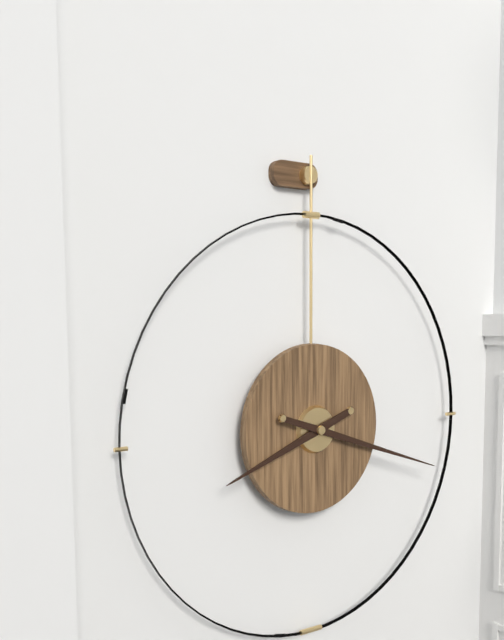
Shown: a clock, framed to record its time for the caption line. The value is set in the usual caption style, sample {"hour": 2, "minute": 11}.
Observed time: {"hour": 8, "minute": 18}
